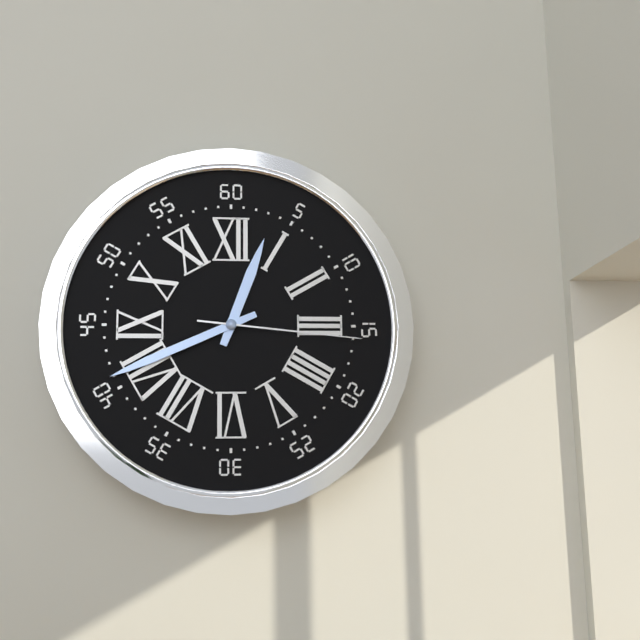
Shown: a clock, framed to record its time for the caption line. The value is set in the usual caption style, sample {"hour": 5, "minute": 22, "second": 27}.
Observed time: {"hour": 12, "minute": 41, "second": 16}
